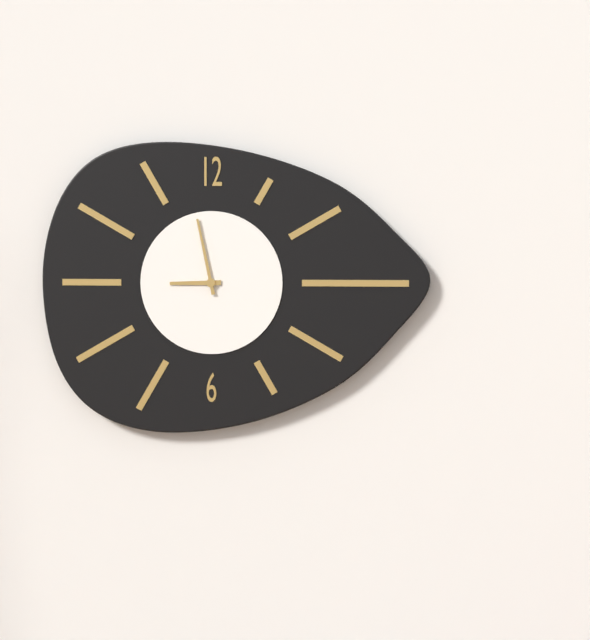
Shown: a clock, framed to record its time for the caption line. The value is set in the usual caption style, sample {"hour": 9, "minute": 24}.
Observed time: {"hour": 8, "minute": 58}
